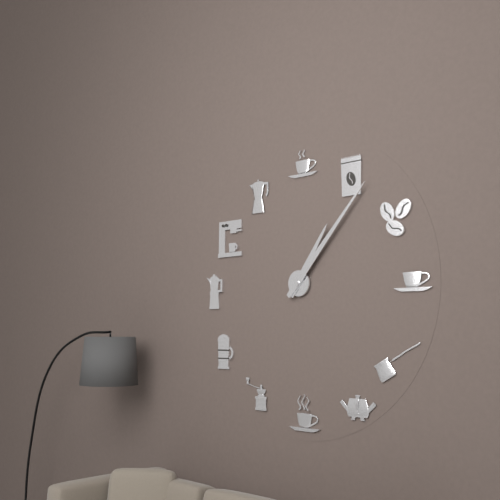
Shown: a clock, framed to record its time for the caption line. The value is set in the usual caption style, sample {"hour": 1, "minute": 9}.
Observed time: {"hour": 1, "minute": 7}
